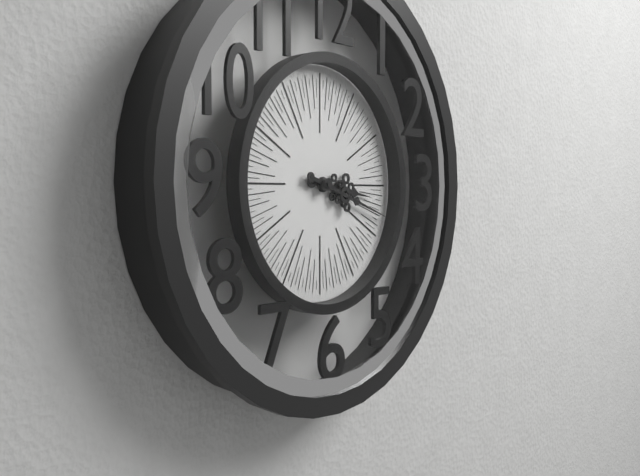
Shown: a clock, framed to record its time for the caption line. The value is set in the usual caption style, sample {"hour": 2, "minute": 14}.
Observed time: {"hour": 3, "minute": 18}
